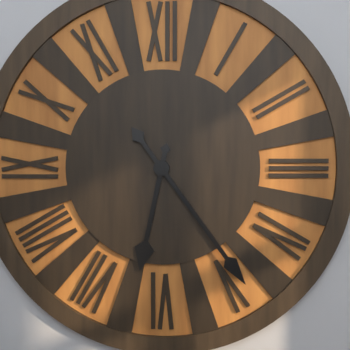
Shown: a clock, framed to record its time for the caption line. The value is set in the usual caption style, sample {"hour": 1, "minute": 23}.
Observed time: {"hour": 6, "minute": 24}
